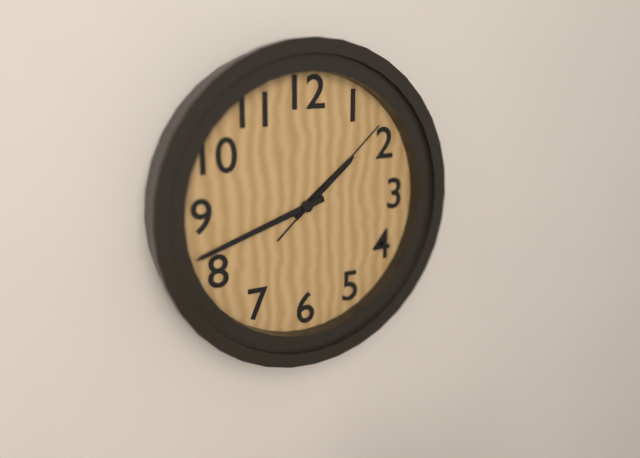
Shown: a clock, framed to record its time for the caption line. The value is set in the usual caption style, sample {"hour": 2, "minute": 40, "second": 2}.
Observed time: {"hour": 1, "minute": 42, "second": 8}
